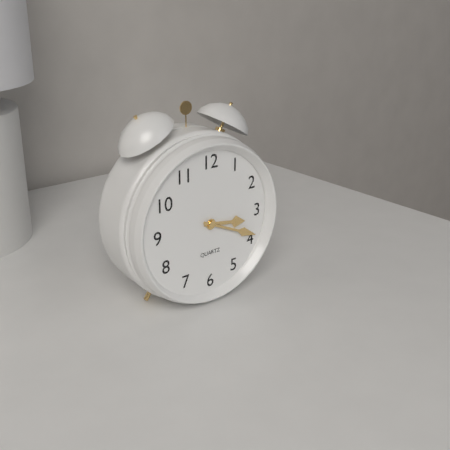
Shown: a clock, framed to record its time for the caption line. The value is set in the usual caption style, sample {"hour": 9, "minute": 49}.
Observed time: {"hour": 3, "minute": 19}
